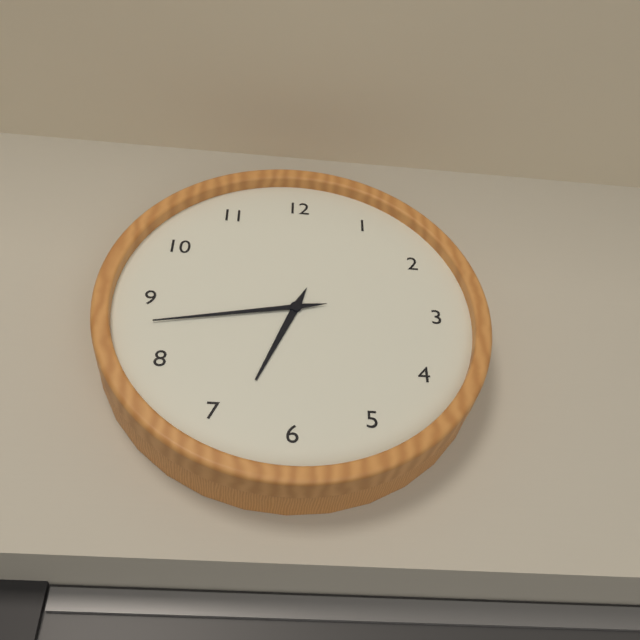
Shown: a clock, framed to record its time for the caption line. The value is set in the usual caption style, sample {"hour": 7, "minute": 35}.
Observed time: {"hour": 6, "minute": 43}
